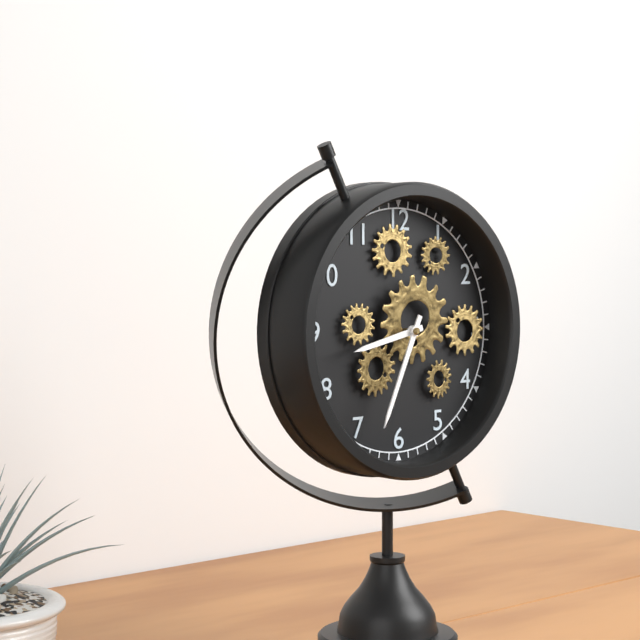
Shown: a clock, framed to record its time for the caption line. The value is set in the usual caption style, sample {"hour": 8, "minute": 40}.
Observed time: {"hour": 8, "minute": 34}
